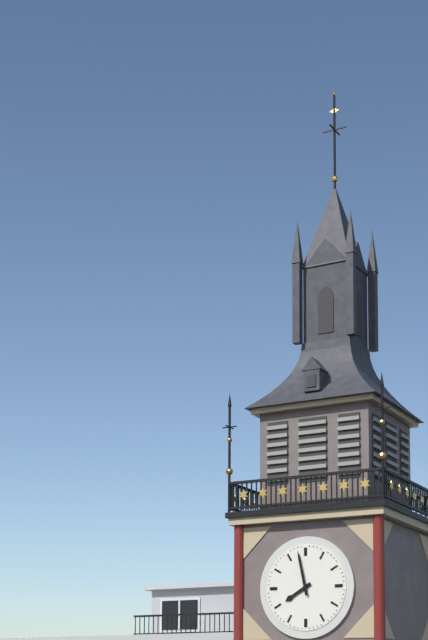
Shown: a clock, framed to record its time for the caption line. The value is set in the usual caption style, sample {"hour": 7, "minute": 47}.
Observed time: {"hour": 7, "minute": 58}
